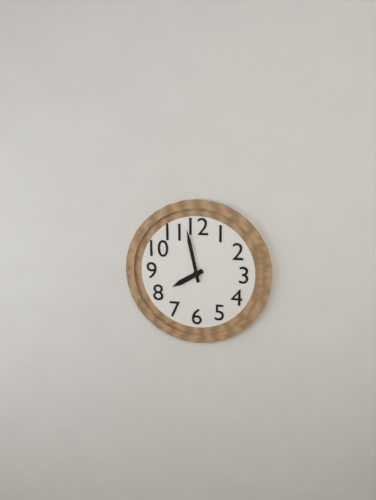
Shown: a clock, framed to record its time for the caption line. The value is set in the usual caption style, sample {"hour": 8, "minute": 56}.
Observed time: {"hour": 7, "minute": 58}
